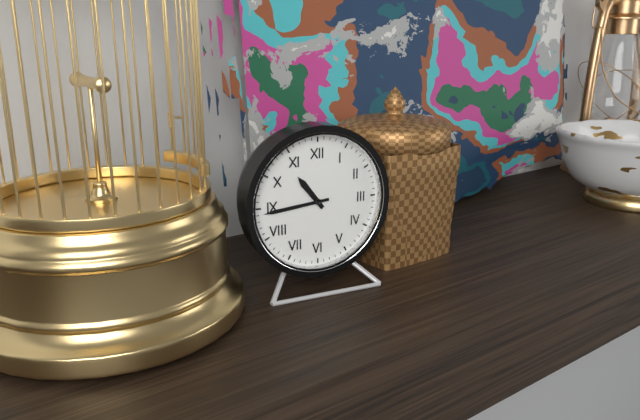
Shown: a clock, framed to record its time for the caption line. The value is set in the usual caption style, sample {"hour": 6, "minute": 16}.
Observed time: {"hour": 10, "minute": 44}
